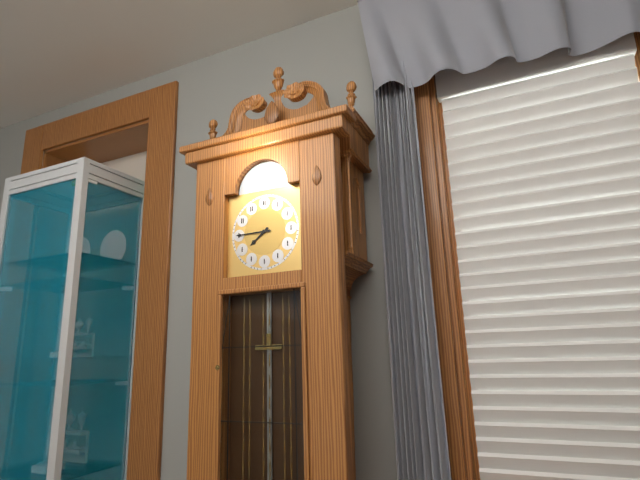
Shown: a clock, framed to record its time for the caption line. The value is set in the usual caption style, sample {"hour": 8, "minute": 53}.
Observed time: {"hour": 7, "minute": 45}
